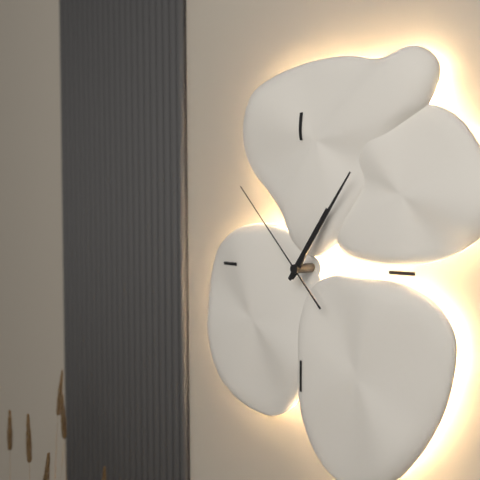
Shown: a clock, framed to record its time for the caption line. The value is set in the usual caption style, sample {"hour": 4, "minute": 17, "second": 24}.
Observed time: {"hour": 1, "minute": 6, "second": 53}
